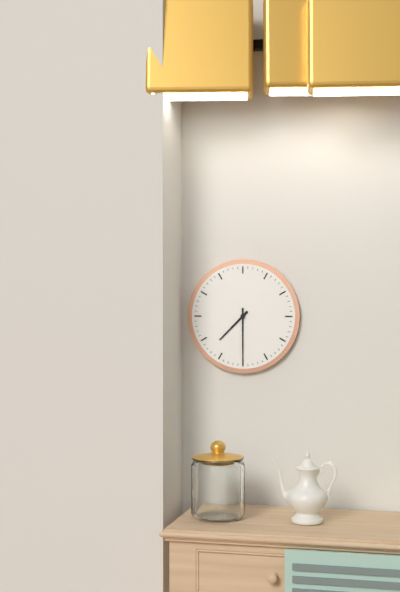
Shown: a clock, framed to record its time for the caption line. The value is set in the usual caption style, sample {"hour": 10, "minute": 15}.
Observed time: {"hour": 7, "minute": 30}
